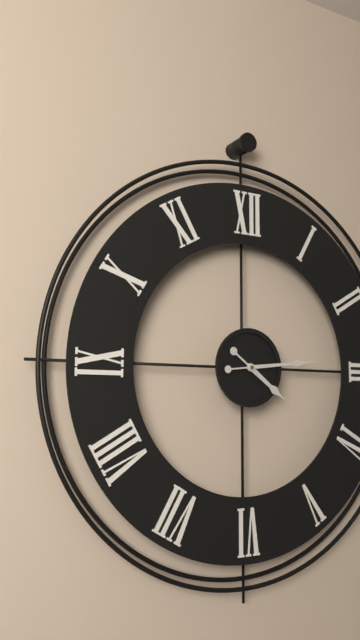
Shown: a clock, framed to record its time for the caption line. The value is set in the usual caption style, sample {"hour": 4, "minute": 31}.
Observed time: {"hour": 4, "minute": 14}
